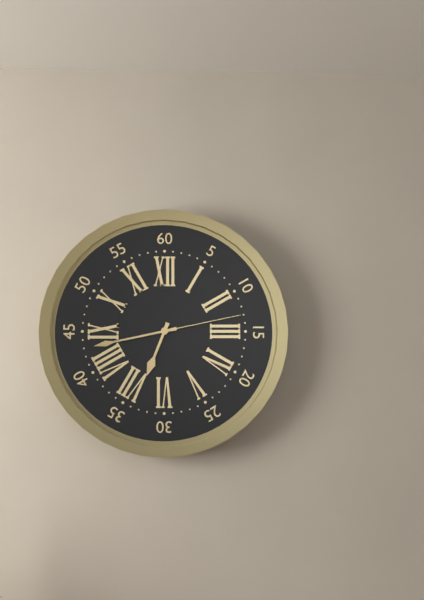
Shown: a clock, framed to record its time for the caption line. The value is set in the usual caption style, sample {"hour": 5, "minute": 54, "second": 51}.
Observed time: {"hour": 6, "minute": 43, "second": 13}
